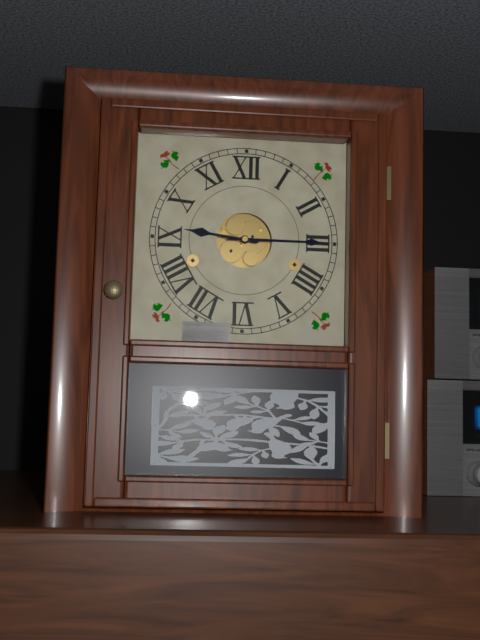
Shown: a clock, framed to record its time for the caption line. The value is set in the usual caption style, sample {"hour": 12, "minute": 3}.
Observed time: {"hour": 9, "minute": 15}
